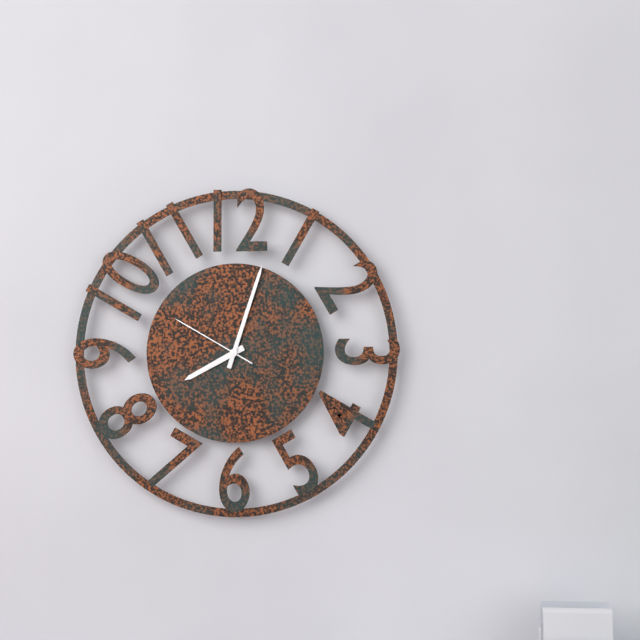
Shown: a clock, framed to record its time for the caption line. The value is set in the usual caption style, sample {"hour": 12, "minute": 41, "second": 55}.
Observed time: {"hour": 8, "minute": 3, "second": 50}
